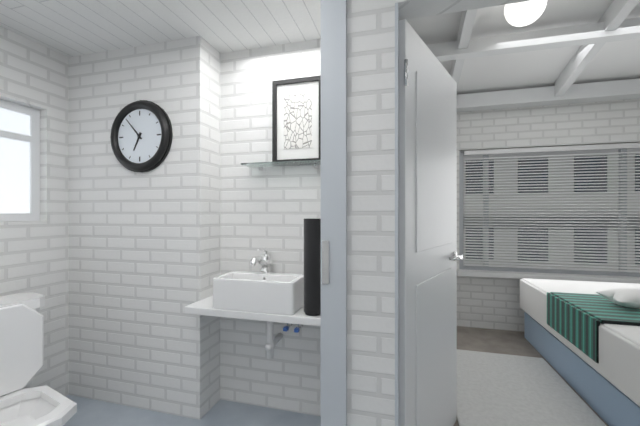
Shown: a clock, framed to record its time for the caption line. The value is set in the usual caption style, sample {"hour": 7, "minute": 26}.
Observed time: {"hour": 6, "minute": 53}
